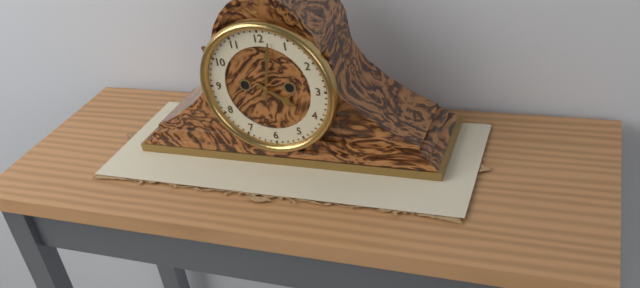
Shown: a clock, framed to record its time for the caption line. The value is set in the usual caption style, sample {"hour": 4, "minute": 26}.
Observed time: {"hour": 4, "minute": 2}
